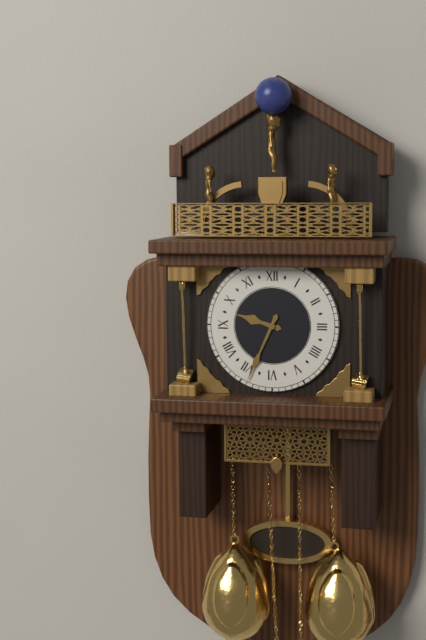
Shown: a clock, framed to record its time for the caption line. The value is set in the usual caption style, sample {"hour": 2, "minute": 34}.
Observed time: {"hour": 9, "minute": 34}
